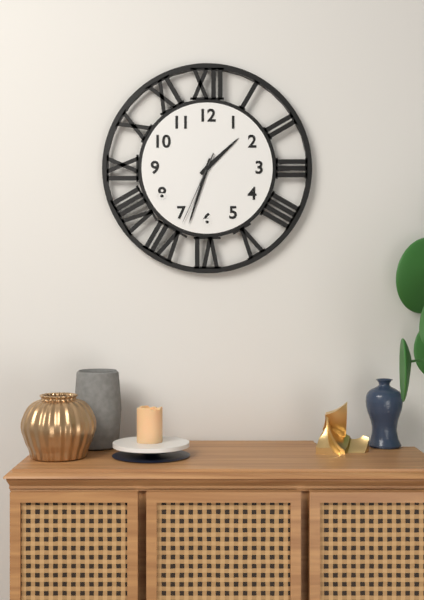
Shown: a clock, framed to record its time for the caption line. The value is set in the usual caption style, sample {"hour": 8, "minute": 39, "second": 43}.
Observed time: {"hour": 1, "minute": 33, "second": 34}
